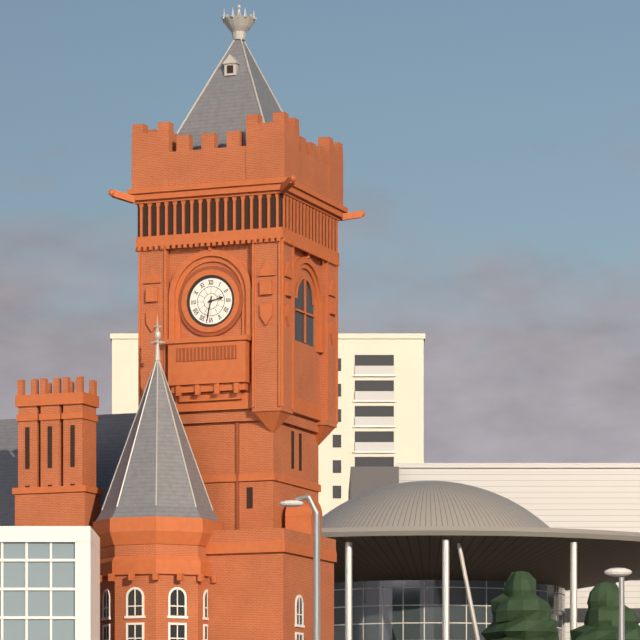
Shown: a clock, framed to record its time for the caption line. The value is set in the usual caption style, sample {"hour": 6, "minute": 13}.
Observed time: {"hour": 2, "minute": 32}
